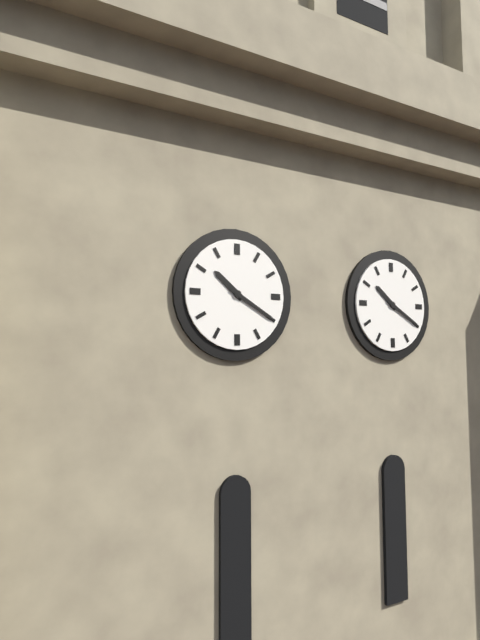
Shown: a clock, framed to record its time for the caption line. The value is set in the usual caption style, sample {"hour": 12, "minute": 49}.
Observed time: {"hour": 10, "minute": 20}
